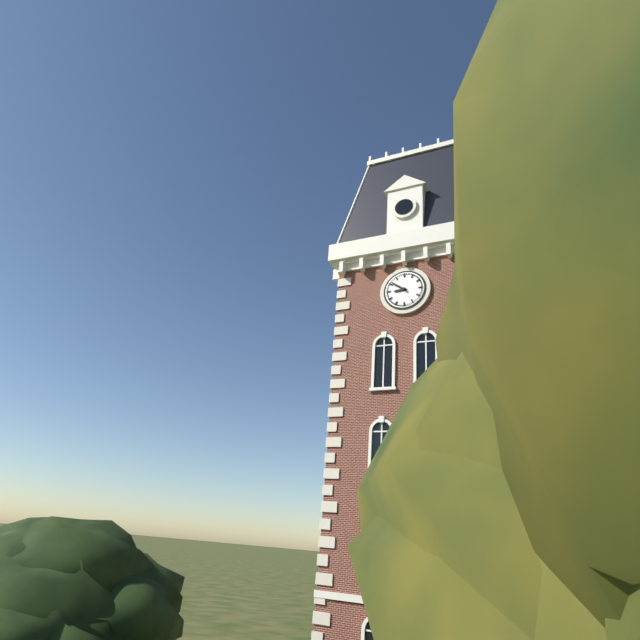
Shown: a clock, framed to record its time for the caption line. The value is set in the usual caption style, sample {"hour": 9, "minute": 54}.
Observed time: {"hour": 8, "minute": 51}
